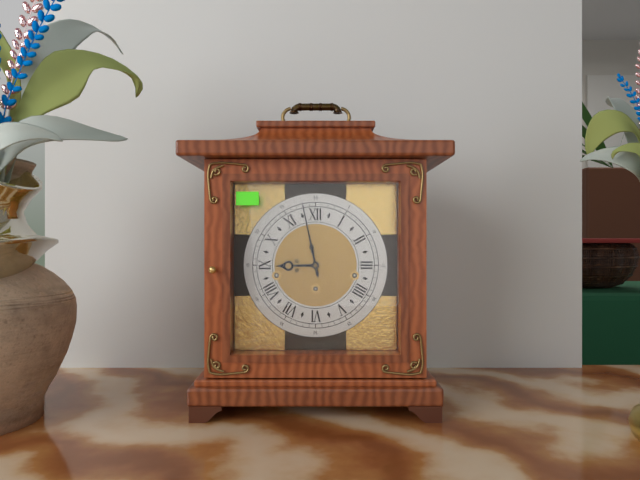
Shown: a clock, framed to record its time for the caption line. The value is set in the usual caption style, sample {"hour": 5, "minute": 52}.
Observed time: {"hour": 8, "minute": 58}
